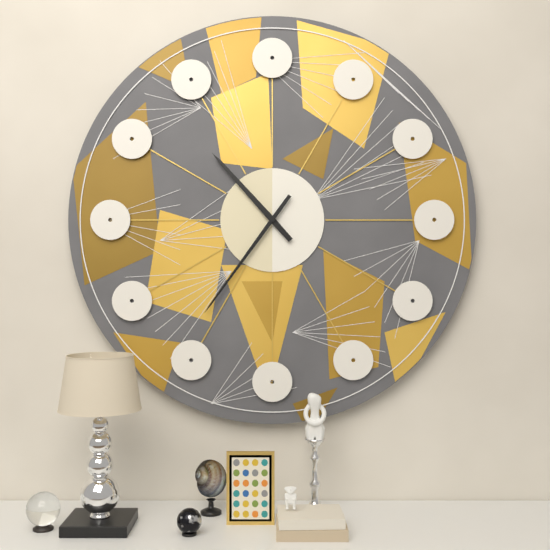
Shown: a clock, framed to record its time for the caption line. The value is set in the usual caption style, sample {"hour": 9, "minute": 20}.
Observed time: {"hour": 10, "minute": 36}
